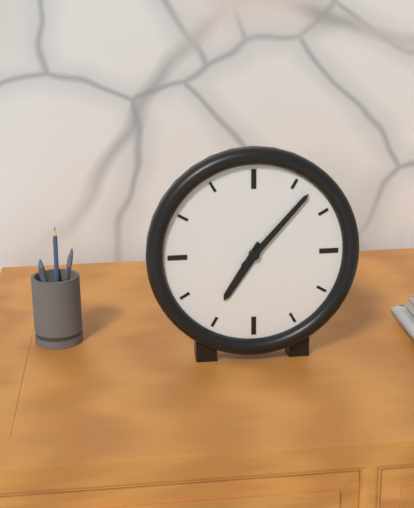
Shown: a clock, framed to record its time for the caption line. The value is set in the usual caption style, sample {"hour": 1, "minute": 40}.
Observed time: {"hour": 7, "minute": 7}
